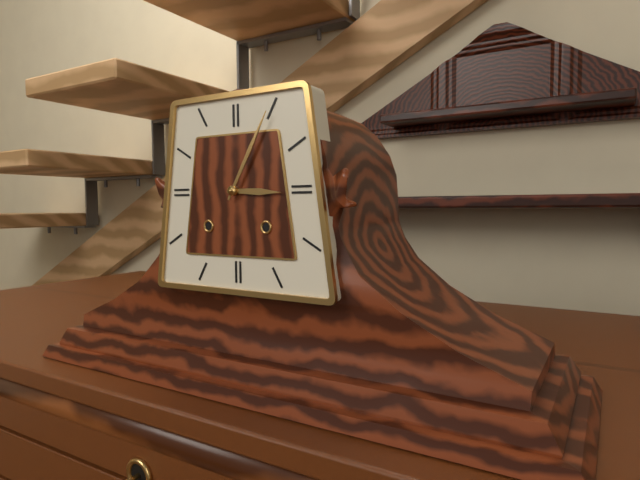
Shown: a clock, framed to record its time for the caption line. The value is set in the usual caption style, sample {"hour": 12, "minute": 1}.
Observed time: {"hour": 3, "minute": 5}
